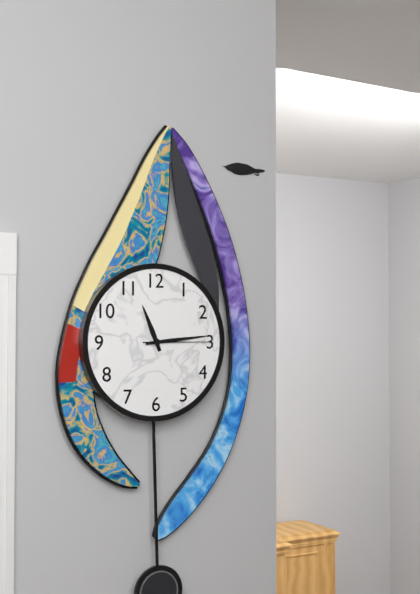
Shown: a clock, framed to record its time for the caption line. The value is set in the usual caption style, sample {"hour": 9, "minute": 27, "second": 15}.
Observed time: {"hour": 11, "minute": 14, "second": 15}
